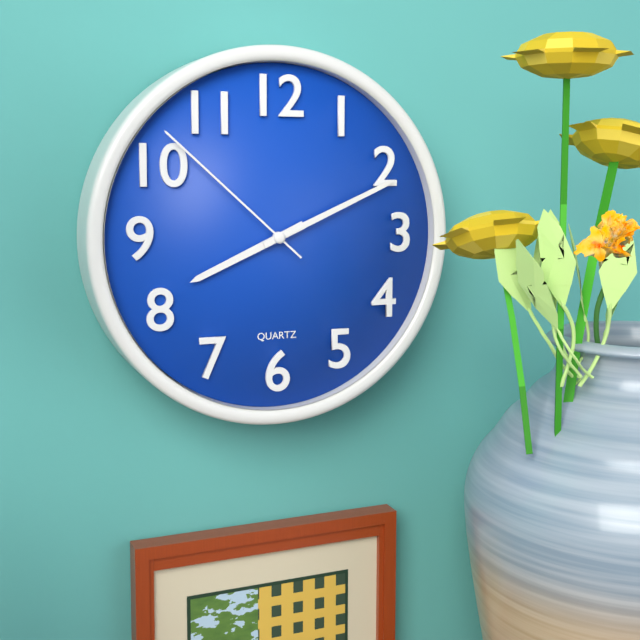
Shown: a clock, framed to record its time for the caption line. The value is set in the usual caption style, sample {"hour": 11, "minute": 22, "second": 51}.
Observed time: {"hour": 8, "minute": 11, "second": 52}
